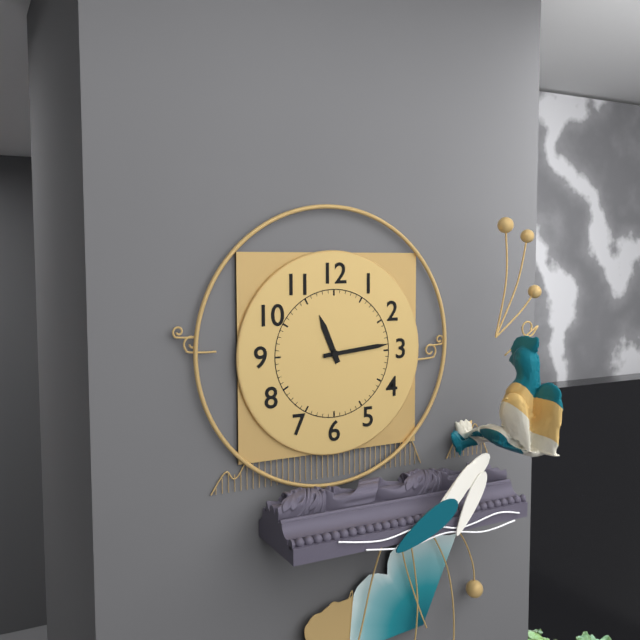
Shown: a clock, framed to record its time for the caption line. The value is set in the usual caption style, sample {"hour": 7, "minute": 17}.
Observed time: {"hour": 11, "minute": 14}
